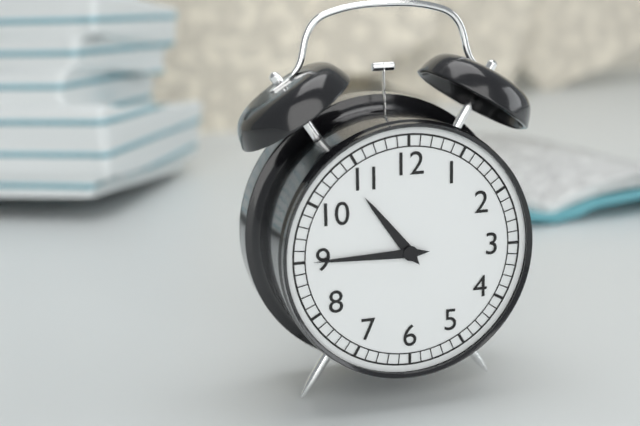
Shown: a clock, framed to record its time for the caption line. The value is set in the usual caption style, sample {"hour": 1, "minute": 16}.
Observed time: {"hour": 10, "minute": 45}
